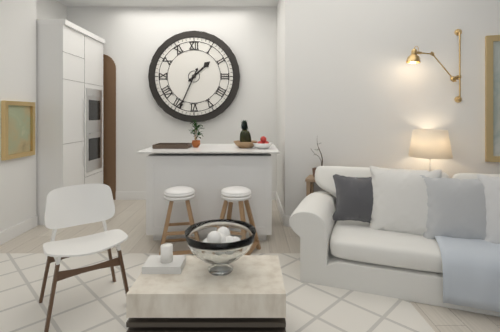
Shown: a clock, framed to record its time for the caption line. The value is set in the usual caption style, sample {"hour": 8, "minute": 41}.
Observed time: {"hour": 1, "minute": 34}
